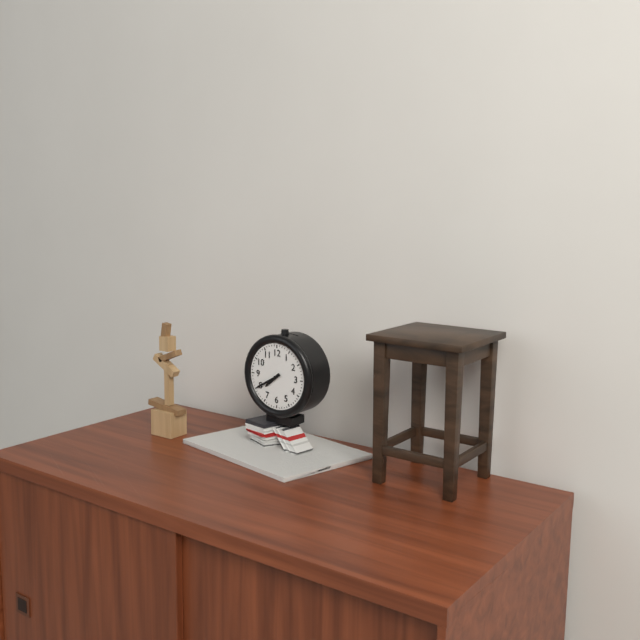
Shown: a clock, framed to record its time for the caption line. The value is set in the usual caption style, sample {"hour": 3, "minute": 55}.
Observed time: {"hour": 7, "minute": 40}
